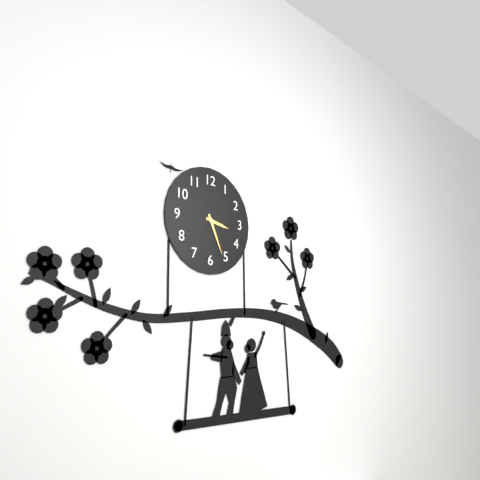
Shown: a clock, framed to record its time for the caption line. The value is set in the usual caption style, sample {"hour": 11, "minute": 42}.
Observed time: {"hour": 3, "minute": 26}
